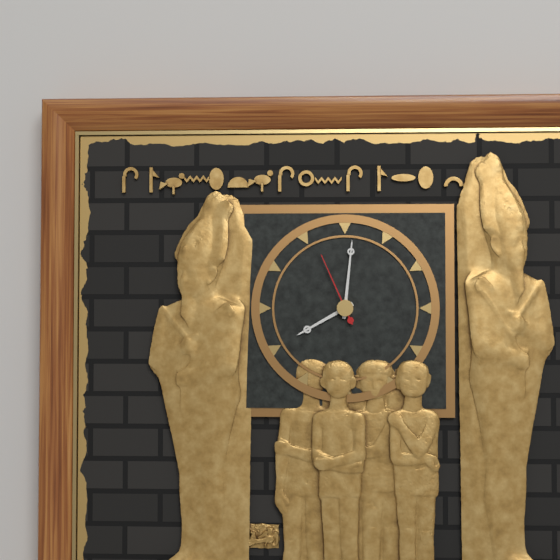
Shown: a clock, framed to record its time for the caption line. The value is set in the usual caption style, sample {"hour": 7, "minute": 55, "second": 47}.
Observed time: {"hour": 8, "minute": 1, "second": 56}
